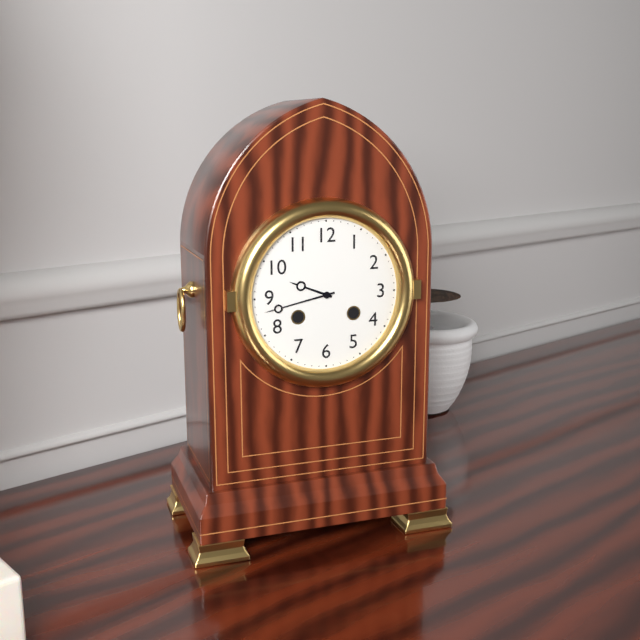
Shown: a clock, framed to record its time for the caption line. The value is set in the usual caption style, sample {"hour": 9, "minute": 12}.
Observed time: {"hour": 9, "minute": 43}
